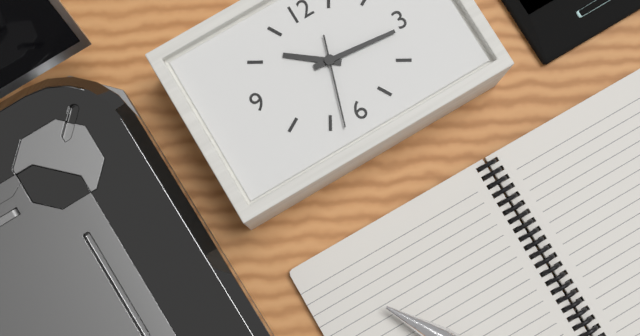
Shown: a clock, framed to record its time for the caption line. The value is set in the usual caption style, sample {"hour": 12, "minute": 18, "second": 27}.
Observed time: {"hour": 10, "minute": 16, "second": 33}
